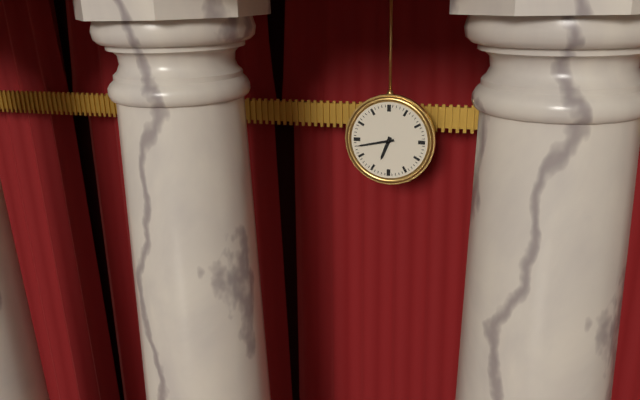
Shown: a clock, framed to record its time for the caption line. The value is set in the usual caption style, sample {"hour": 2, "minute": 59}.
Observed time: {"hour": 6, "minute": 43}
